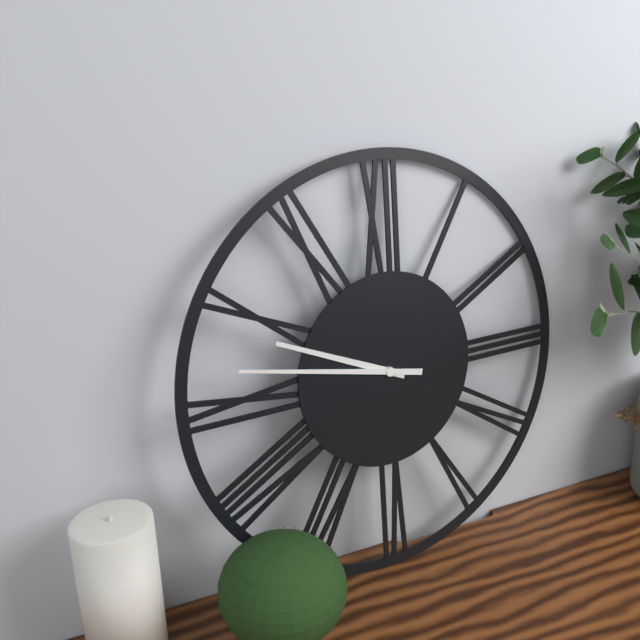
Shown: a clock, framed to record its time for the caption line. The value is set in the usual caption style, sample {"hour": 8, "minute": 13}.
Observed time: {"hour": 9, "minute": 47}
